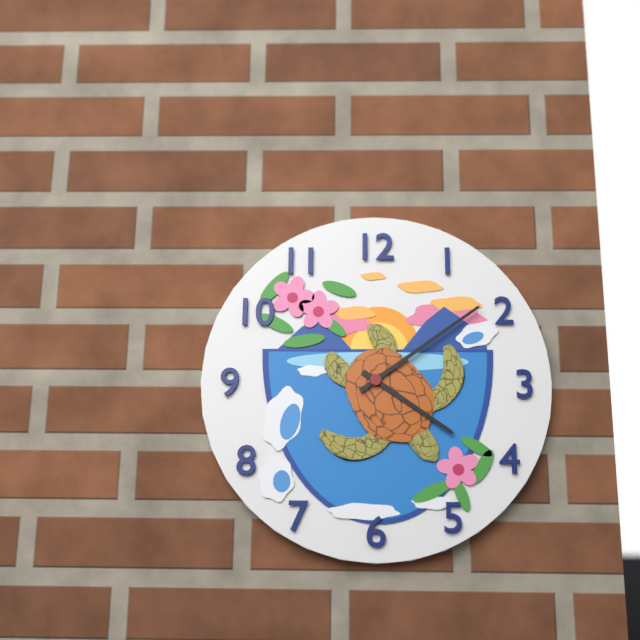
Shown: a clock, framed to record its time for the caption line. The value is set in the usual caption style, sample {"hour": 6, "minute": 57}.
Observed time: {"hour": 4, "minute": 9}
